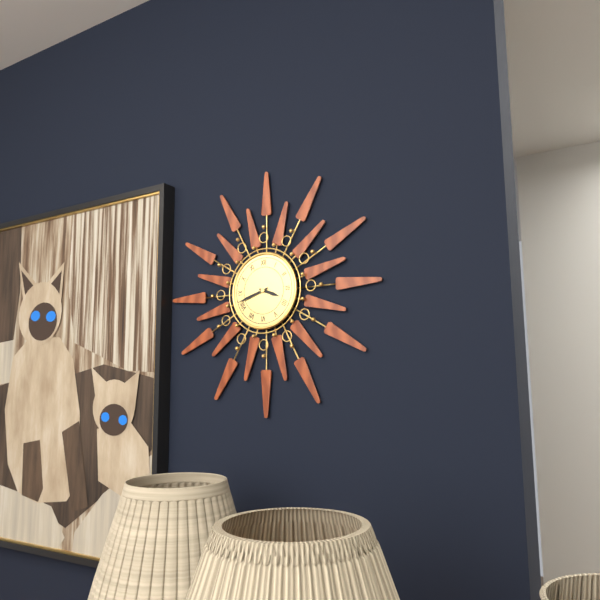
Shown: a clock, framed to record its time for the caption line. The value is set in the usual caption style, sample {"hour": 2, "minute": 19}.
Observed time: {"hour": 3, "minute": 42}
